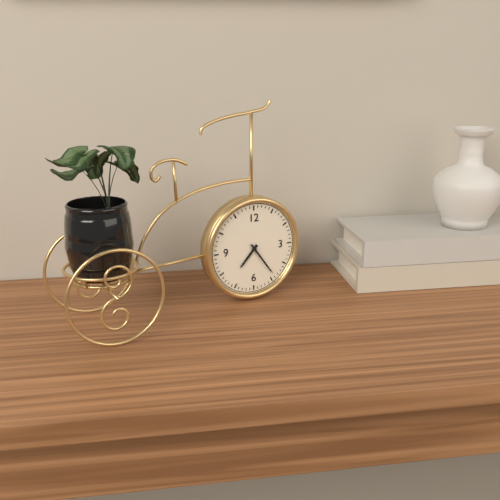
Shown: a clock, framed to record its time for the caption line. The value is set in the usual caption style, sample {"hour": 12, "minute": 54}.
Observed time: {"hour": 7, "minute": 24}
